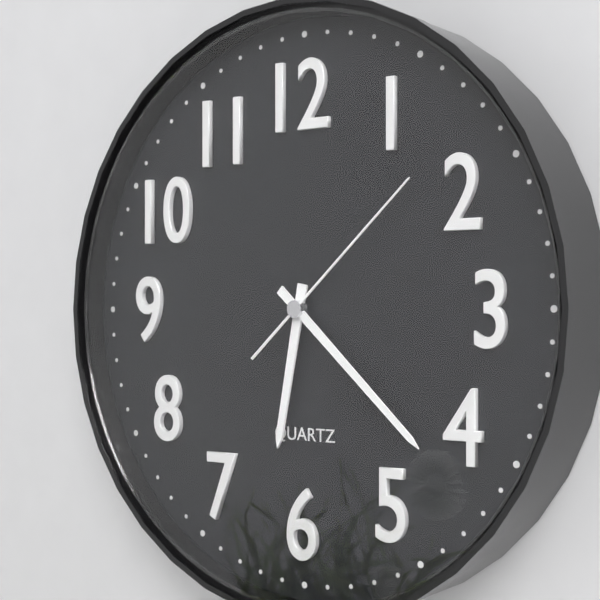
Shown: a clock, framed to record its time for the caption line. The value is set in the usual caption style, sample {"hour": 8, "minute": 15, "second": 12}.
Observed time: {"hour": 6, "minute": 22, "second": 8}
